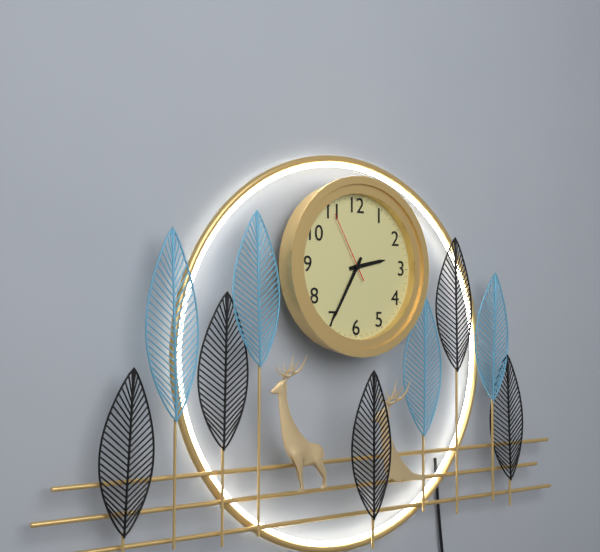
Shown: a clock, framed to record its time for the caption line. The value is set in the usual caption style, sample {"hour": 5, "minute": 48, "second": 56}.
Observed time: {"hour": 2, "minute": 35, "second": 55}
